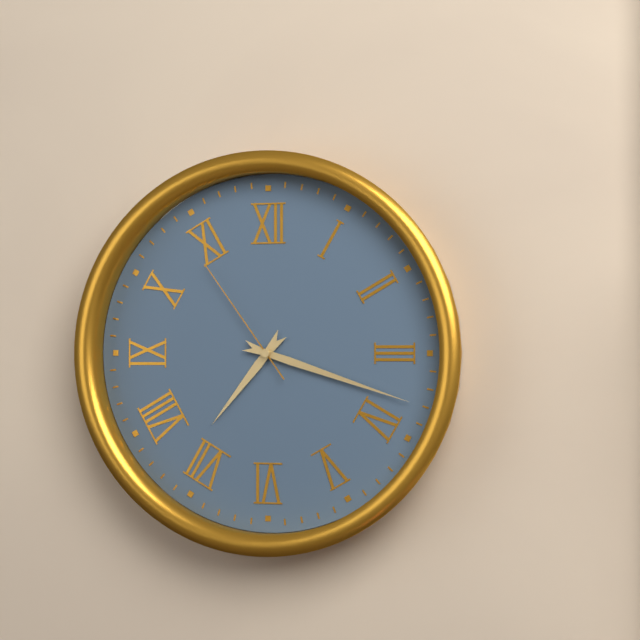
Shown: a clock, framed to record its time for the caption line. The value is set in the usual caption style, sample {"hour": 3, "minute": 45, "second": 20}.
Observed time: {"hour": 7, "minute": 18, "second": 54}
